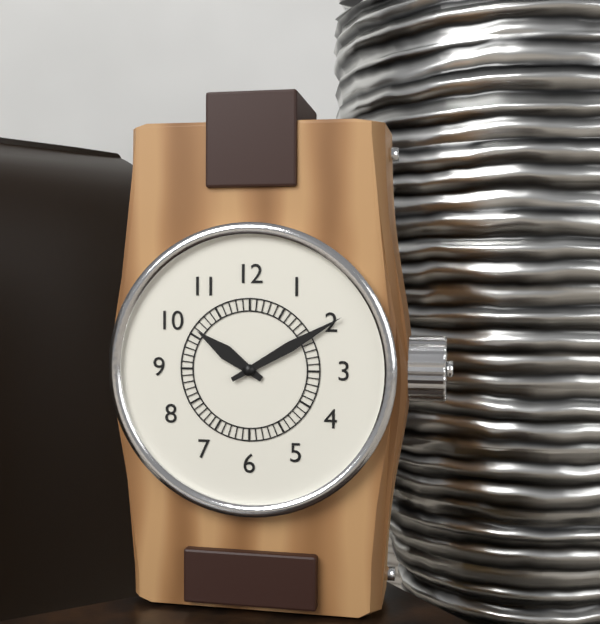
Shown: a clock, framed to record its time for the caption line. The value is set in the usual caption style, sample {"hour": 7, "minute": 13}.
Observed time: {"hour": 10, "minute": 10}
